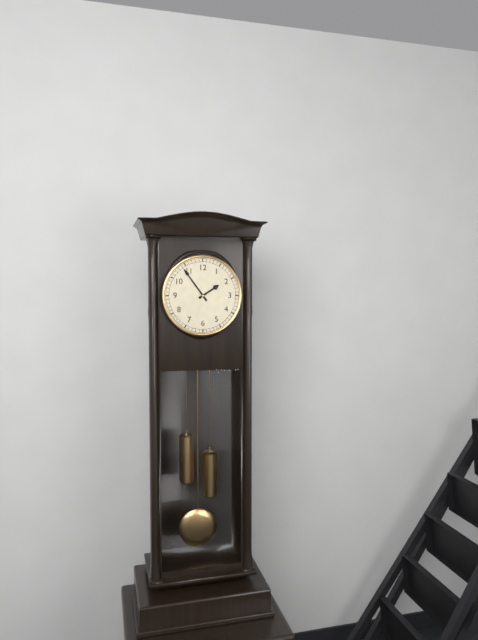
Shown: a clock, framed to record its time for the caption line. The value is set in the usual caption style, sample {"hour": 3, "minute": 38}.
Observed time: {"hour": 1, "minute": 54}
